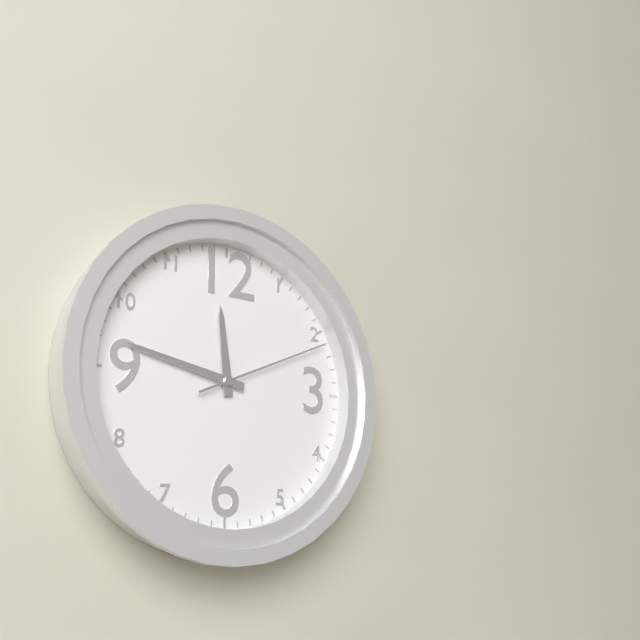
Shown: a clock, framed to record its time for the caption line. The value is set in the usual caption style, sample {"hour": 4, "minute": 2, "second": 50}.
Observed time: {"hour": 11, "minute": 47, "second": 11}
